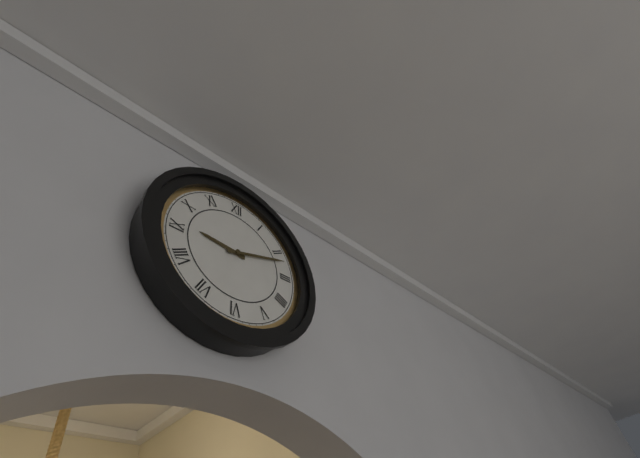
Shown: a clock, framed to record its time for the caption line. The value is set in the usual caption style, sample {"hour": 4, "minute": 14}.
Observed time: {"hour": 9, "minute": 12}
